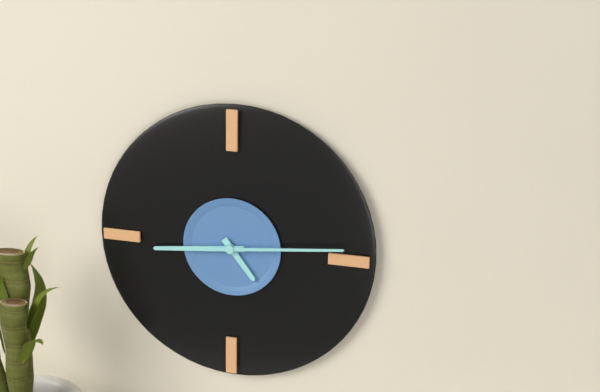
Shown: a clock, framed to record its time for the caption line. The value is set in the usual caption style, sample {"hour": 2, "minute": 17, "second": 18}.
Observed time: {"hour": 4, "minute": 44, "second": 14}
